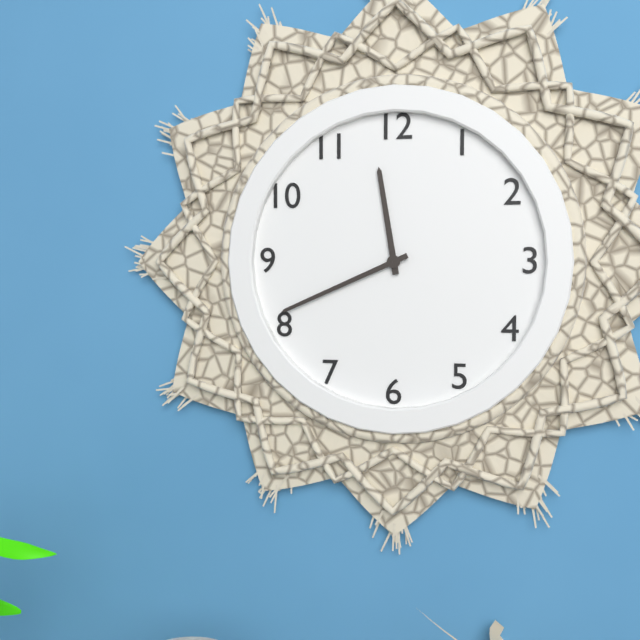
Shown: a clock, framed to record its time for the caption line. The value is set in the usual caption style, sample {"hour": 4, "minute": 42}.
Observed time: {"hour": 11, "minute": 41}
